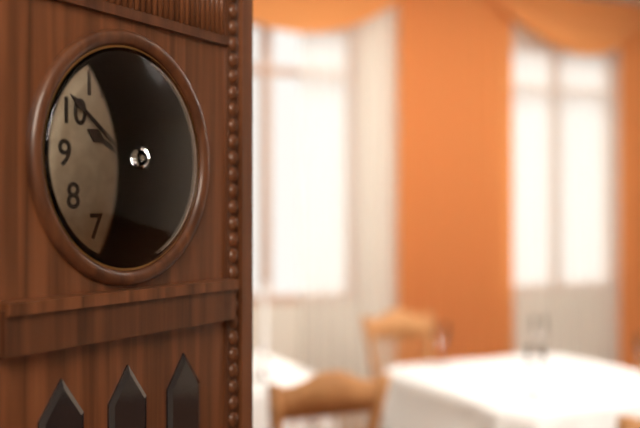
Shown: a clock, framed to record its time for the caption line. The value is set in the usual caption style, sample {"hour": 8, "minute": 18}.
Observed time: {"hour": 9, "minute": 51}
